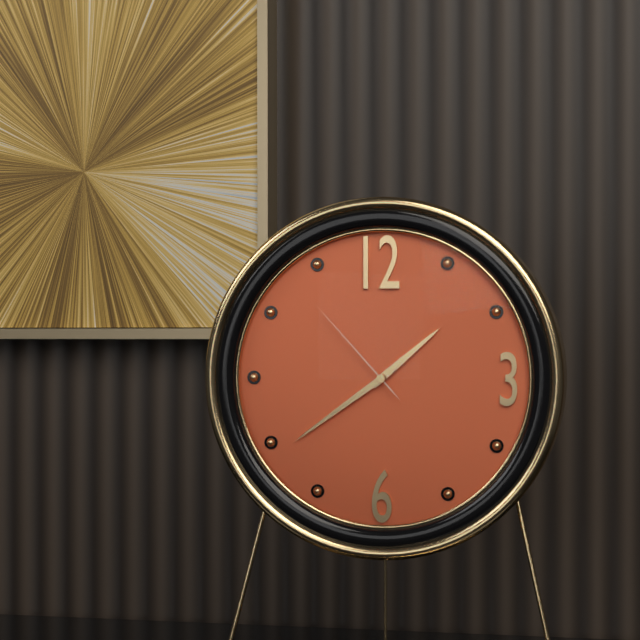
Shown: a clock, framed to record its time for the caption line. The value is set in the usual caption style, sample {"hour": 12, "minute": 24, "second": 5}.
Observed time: {"hour": 1, "minute": 39, "second": 53}
